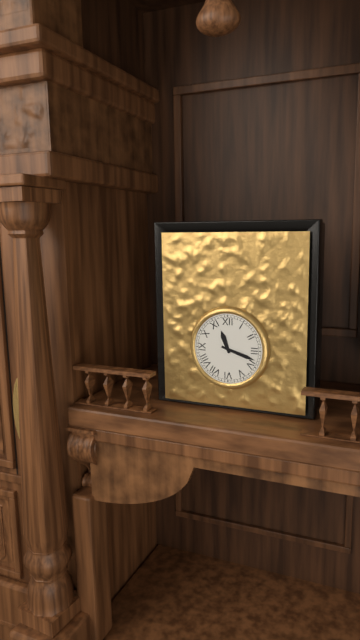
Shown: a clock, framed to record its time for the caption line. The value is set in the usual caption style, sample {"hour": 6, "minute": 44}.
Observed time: {"hour": 11, "minute": 18}
